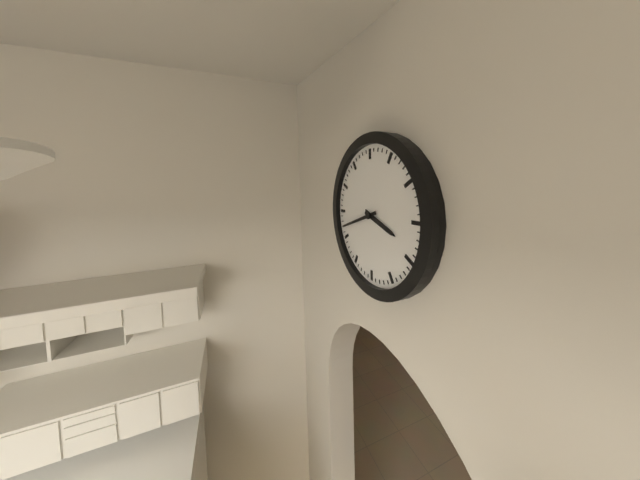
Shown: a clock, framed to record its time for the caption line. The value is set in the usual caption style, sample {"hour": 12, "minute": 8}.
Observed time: {"hour": 3, "minute": 42}
